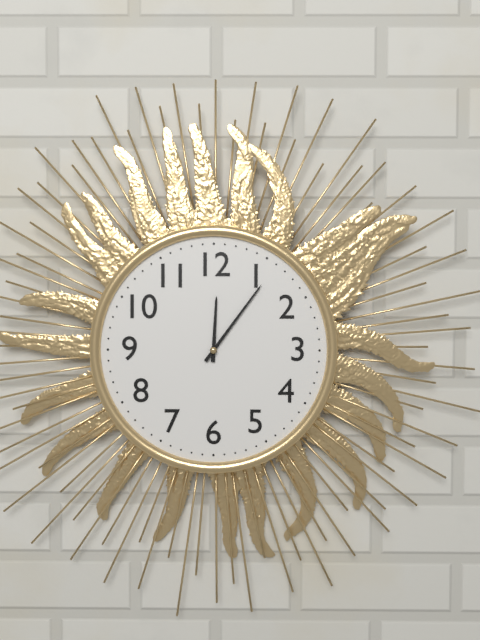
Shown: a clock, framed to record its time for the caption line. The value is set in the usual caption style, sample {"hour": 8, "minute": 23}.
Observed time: {"hour": 12, "minute": 6}
